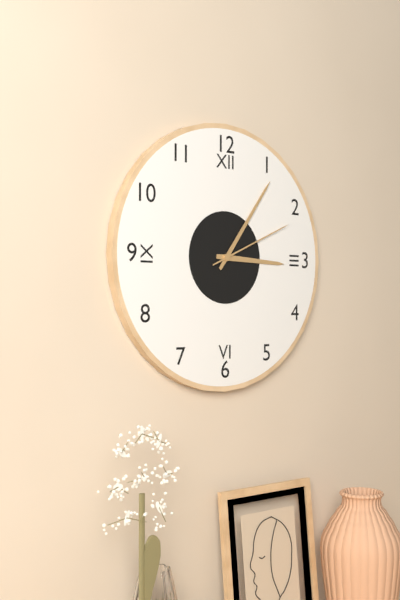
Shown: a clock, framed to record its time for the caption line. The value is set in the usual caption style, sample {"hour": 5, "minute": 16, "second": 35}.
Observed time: {"hour": 3, "minute": 6, "second": 11}
